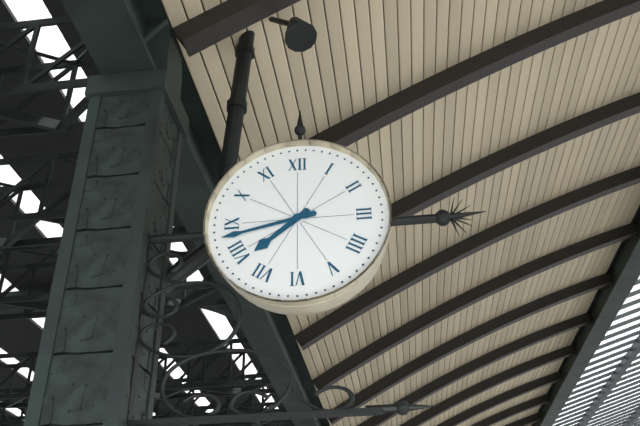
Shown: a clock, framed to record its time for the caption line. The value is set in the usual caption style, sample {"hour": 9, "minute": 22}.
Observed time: {"hour": 7, "minute": 43}
